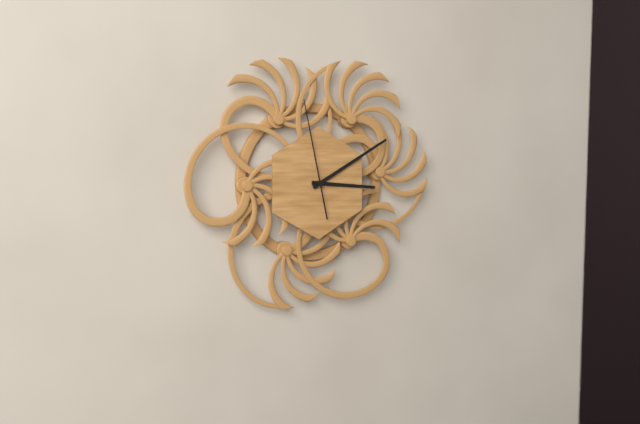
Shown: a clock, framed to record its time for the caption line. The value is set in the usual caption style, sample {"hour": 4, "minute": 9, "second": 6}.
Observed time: {"hour": 3, "minute": 10, "second": 58}
